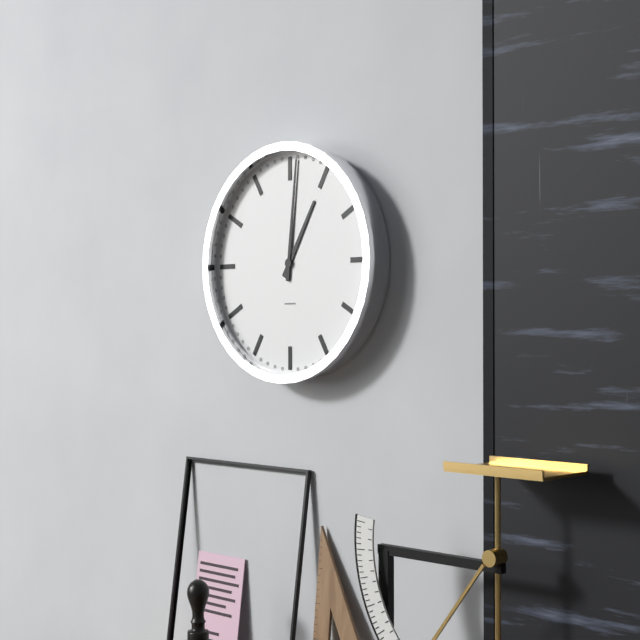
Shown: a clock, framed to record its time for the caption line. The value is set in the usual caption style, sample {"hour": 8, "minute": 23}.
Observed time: {"hour": 1, "minute": 1}
